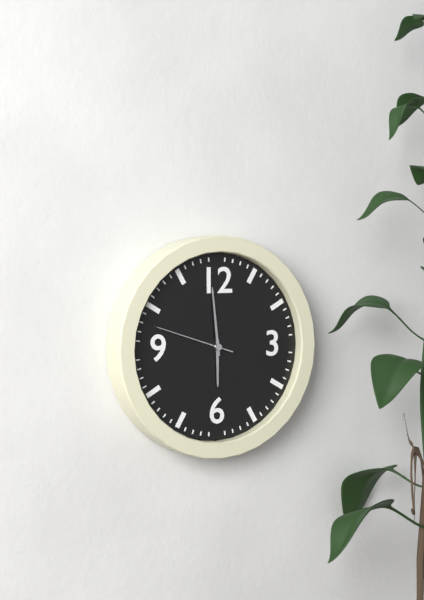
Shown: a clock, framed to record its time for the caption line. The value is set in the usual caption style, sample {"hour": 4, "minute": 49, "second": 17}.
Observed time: {"hour": 5, "minute": 59, "second": 48}
